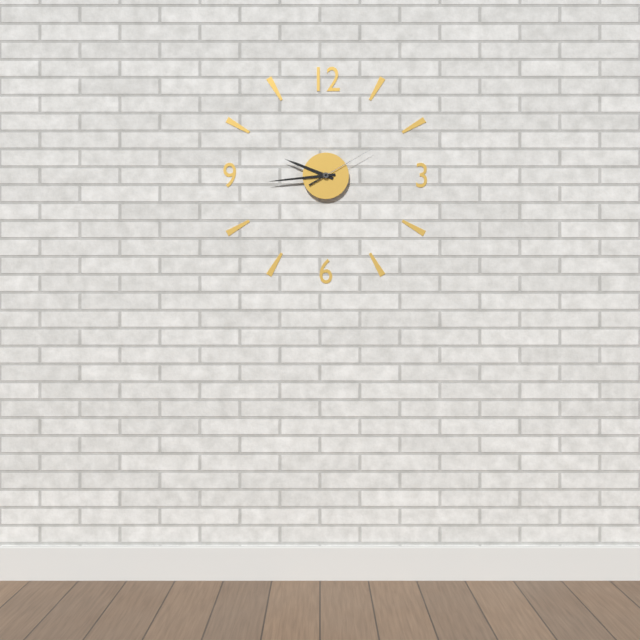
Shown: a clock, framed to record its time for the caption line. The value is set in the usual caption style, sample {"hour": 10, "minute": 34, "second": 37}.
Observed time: {"hour": 9, "minute": 44, "second": 10}
